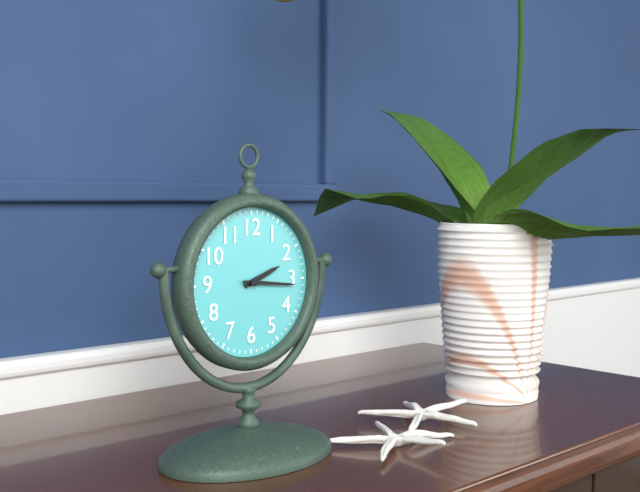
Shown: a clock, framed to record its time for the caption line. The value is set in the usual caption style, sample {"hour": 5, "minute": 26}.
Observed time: {"hour": 2, "minute": 16}
